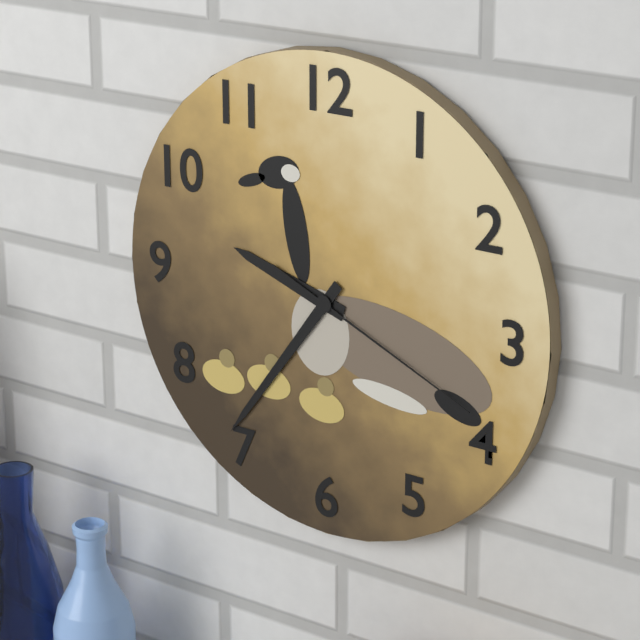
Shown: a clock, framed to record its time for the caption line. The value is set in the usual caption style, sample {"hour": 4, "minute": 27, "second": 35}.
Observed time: {"hour": 9, "minute": 36, "second": 19}
